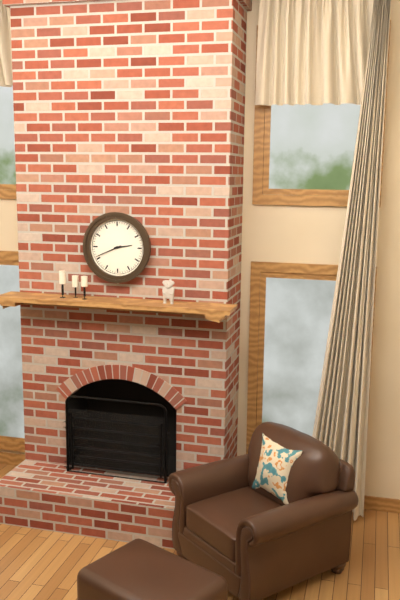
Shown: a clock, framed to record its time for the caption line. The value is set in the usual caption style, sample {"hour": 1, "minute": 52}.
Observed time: {"hour": 2, "minute": 41}
